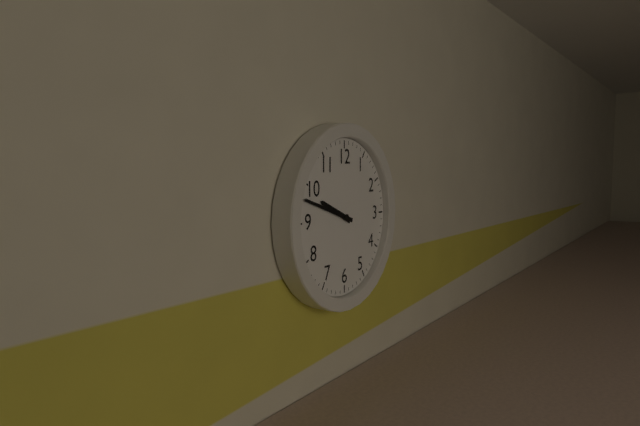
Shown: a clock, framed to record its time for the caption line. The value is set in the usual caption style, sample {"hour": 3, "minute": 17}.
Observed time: {"hour": 9, "minute": 48}
